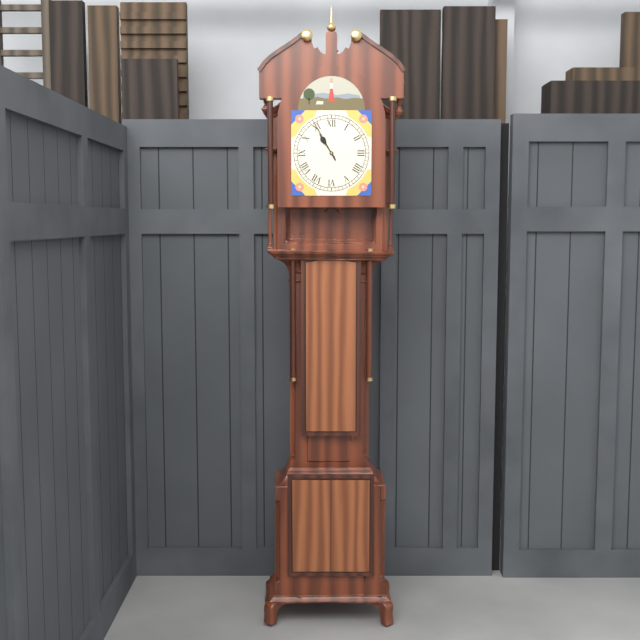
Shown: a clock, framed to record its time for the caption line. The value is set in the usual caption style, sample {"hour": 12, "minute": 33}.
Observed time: {"hour": 10, "minute": 55}
